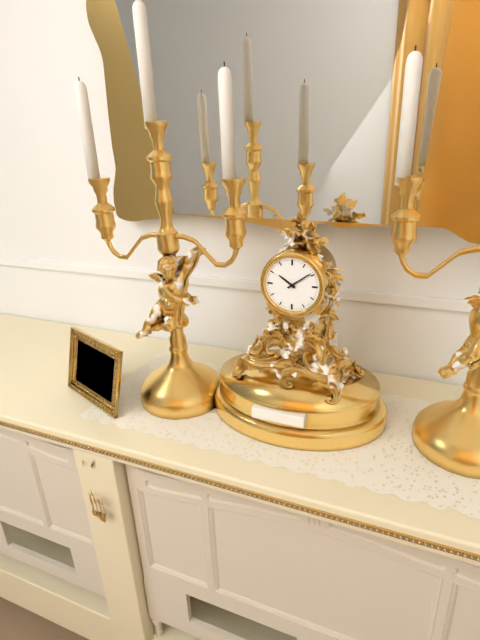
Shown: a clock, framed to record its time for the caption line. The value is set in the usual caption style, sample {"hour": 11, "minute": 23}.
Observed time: {"hour": 10, "minute": 9}
